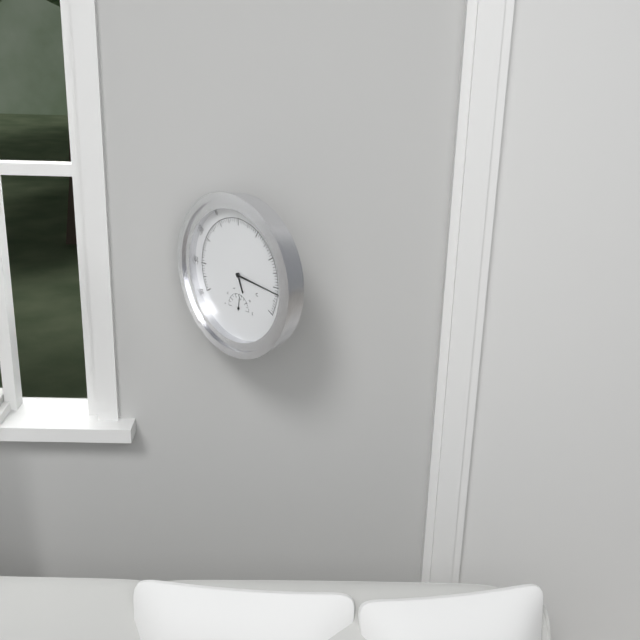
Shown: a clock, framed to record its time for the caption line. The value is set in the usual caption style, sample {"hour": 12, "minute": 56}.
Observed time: {"hour": 5, "minute": 16}
